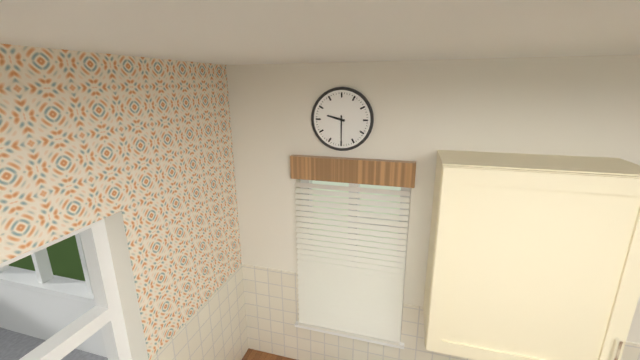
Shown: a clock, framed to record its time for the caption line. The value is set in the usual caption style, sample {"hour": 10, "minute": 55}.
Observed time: {"hour": 9, "minute": 30}
